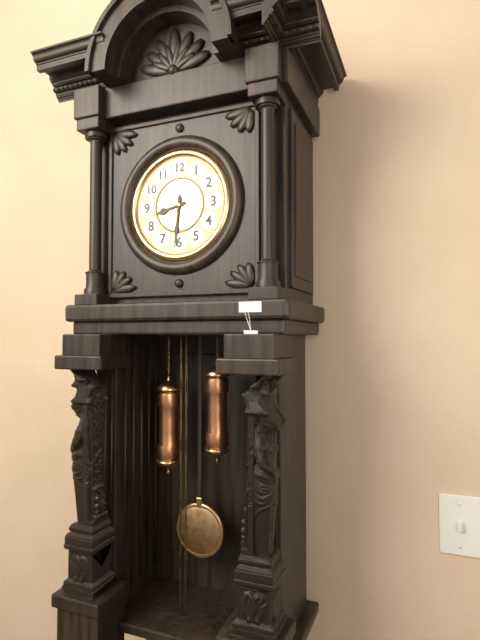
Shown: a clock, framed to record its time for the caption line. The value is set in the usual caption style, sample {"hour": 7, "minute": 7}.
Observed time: {"hour": 8, "minute": 31}
